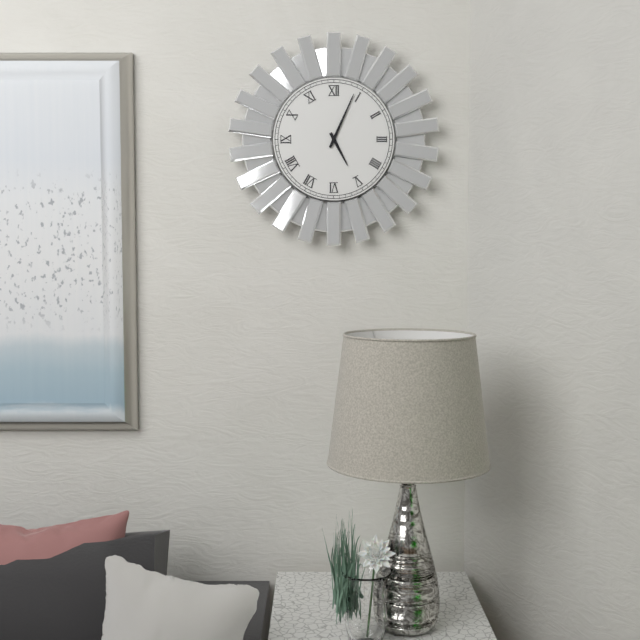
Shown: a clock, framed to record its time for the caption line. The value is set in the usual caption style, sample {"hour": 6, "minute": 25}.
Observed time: {"hour": 5, "minute": 4}
